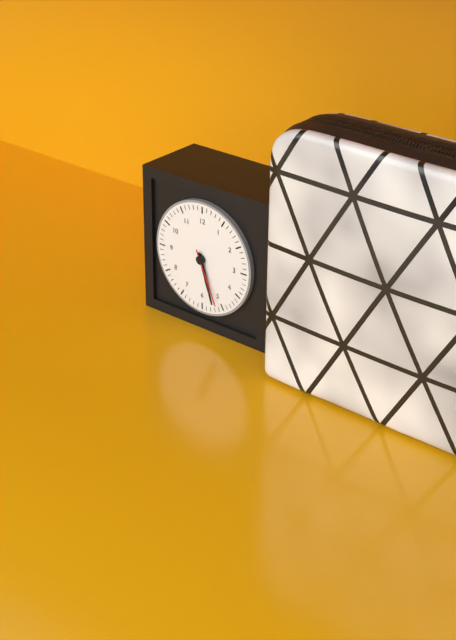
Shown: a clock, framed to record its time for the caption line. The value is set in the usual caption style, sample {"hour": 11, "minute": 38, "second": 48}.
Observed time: {"hour": 5, "minute": 27, "second": 26}
